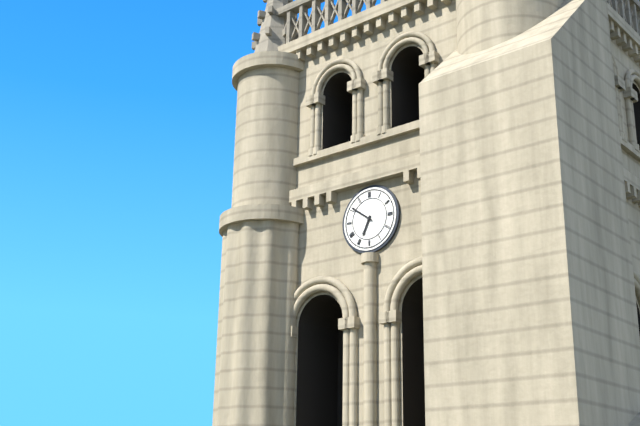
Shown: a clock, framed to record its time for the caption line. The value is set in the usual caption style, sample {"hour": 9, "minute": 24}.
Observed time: {"hour": 6, "minute": 51}
